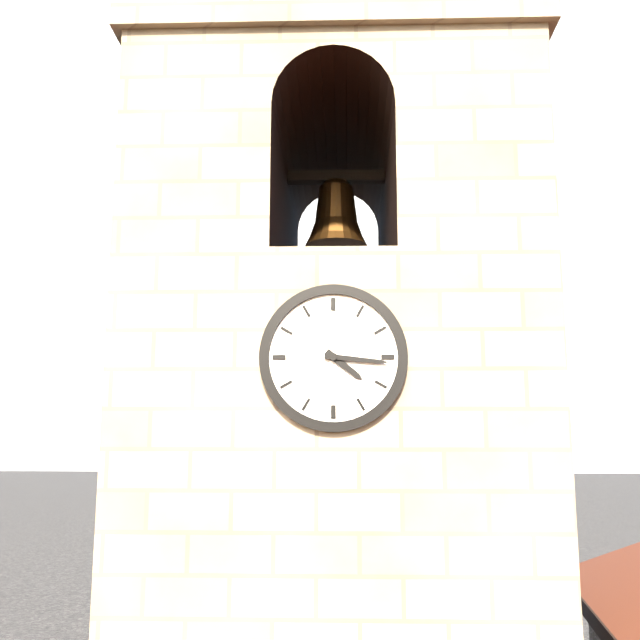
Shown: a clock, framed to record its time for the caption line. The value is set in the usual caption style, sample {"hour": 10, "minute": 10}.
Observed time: {"hour": 4, "minute": 16}
